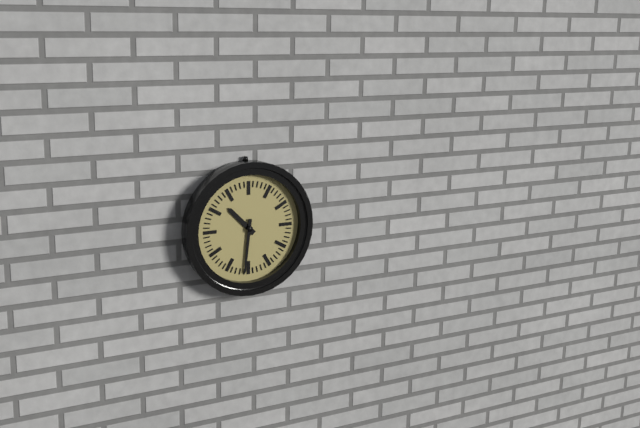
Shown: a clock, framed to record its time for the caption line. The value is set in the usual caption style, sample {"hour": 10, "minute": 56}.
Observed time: {"hour": 10, "minute": 31}
